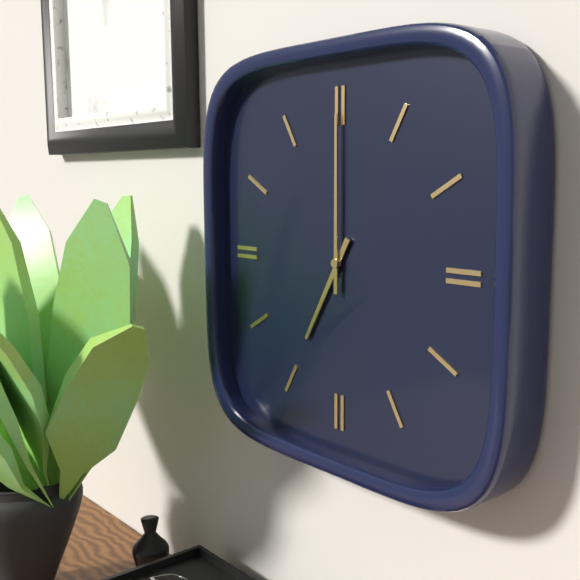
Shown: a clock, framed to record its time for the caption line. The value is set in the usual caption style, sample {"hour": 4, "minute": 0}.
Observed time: {"hour": 7, "minute": 0}
